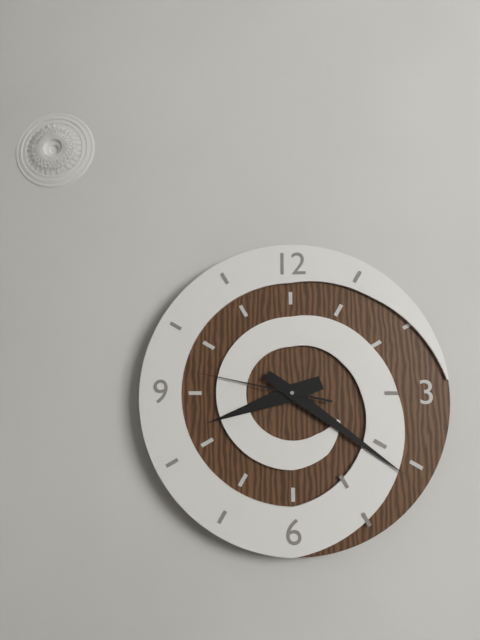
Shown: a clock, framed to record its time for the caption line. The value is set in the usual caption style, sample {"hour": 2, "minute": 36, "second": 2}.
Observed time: {"hour": 8, "minute": 21, "second": 47}
